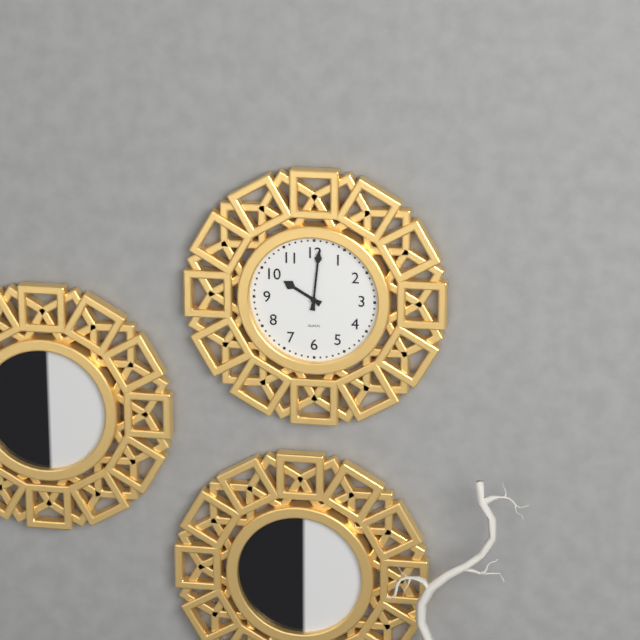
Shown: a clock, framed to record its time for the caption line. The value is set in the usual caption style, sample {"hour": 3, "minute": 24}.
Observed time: {"hour": 10, "minute": 1}
